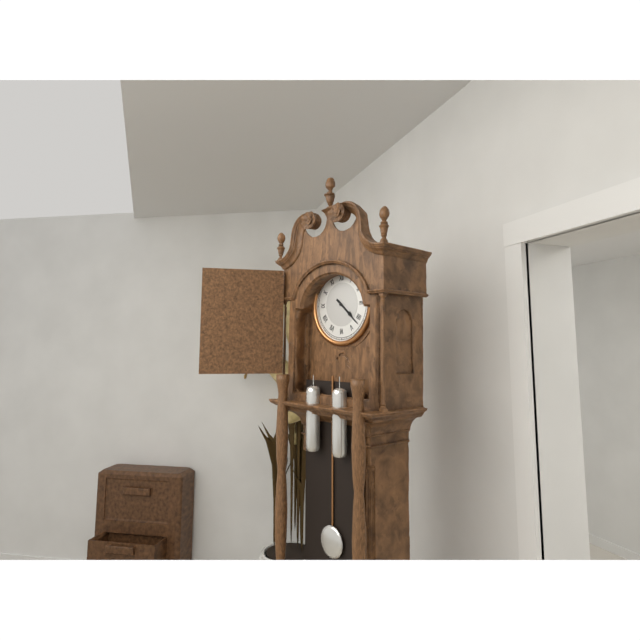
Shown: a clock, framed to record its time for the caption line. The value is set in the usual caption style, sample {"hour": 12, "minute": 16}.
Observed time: {"hour": 4, "minute": 22}
